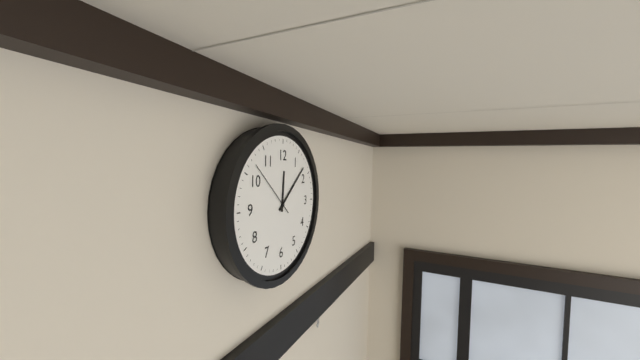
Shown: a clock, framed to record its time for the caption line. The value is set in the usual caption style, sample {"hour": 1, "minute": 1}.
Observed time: {"hour": 12, "minute": 8}
